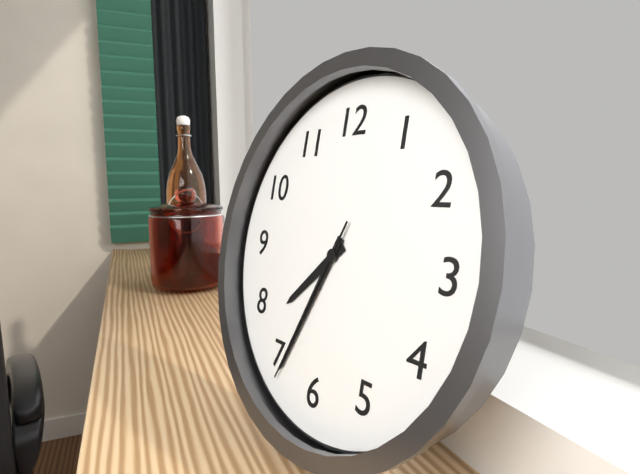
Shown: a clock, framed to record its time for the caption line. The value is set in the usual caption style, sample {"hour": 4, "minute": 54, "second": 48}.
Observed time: {"hour": 7, "minute": 34, "second": 34}
